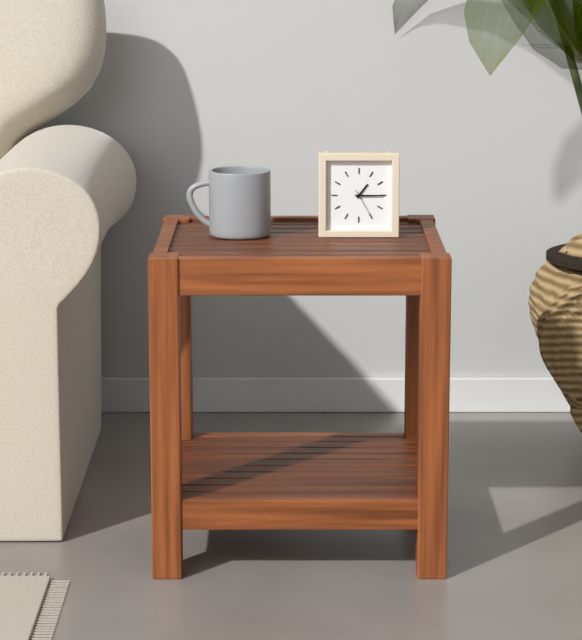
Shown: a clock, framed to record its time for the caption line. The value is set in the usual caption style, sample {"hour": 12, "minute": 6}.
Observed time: {"hour": 1, "minute": 15}
